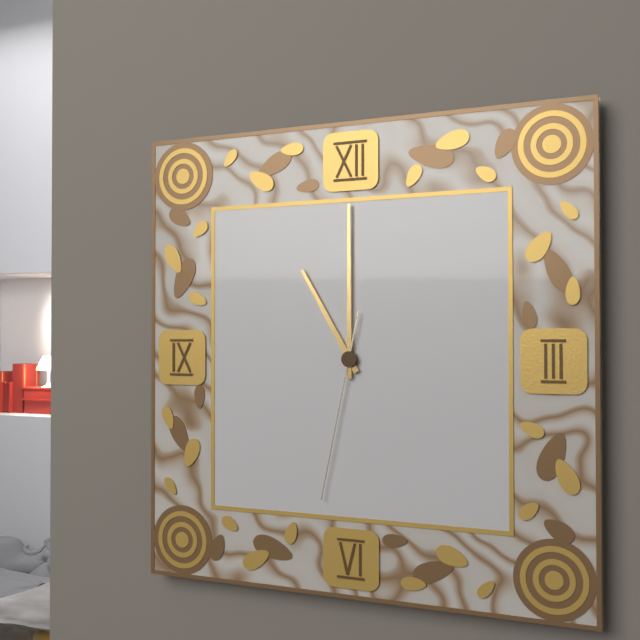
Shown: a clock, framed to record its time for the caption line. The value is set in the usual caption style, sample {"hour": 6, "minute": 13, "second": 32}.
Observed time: {"hour": 11, "minute": 0, "second": 32}
